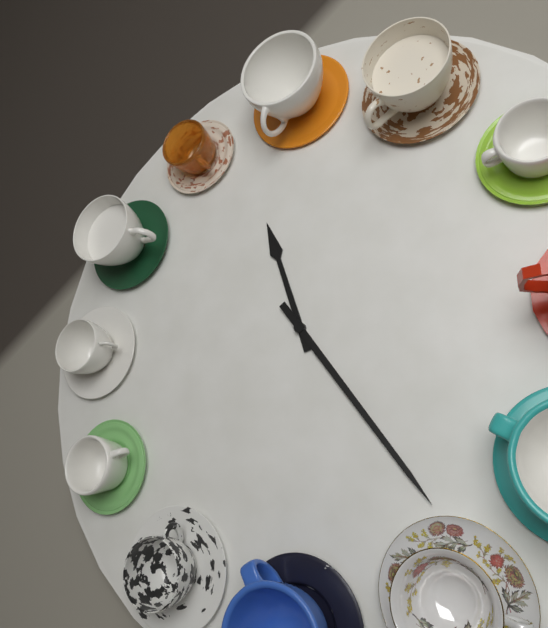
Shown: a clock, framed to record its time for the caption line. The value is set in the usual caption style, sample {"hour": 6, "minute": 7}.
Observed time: {"hour": 11, "minute": 24}
